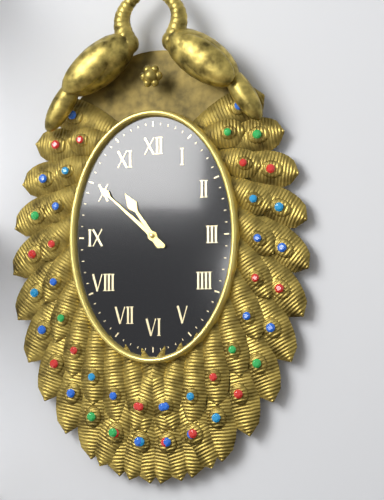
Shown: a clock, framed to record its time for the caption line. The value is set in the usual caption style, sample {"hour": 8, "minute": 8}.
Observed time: {"hour": 10, "minute": 52}
